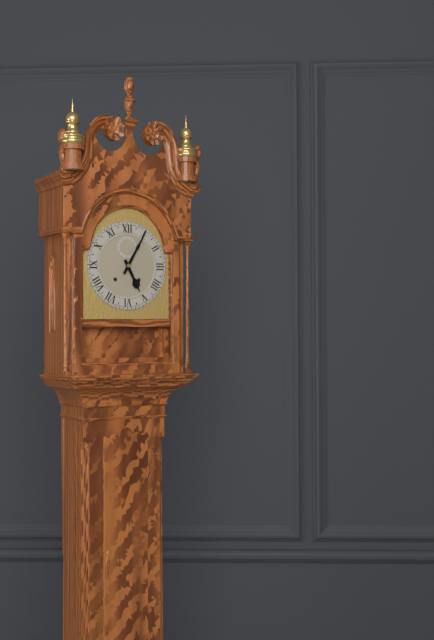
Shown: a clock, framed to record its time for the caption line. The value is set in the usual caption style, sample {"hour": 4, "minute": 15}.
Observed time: {"hour": 5, "minute": 5}
